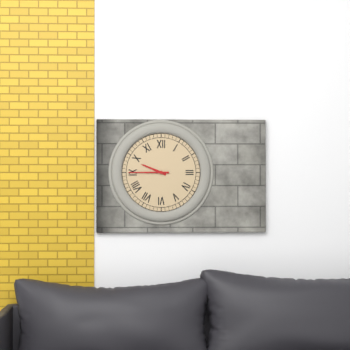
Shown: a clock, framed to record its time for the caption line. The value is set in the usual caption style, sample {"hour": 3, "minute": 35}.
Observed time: {"hour": 9, "minute": 45}
